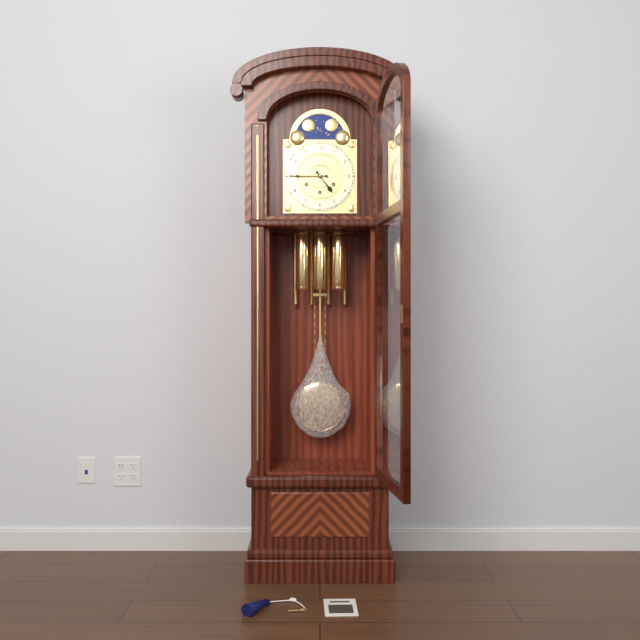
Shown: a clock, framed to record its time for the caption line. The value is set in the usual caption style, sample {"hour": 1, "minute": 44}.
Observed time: {"hour": 4, "minute": 45}
